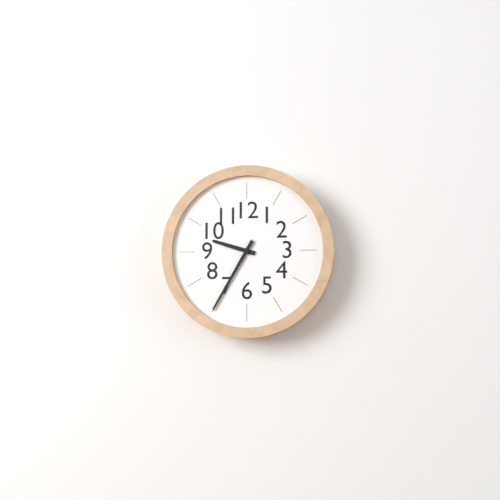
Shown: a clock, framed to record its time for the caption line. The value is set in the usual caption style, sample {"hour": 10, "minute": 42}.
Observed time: {"hour": 9, "minute": 35}
